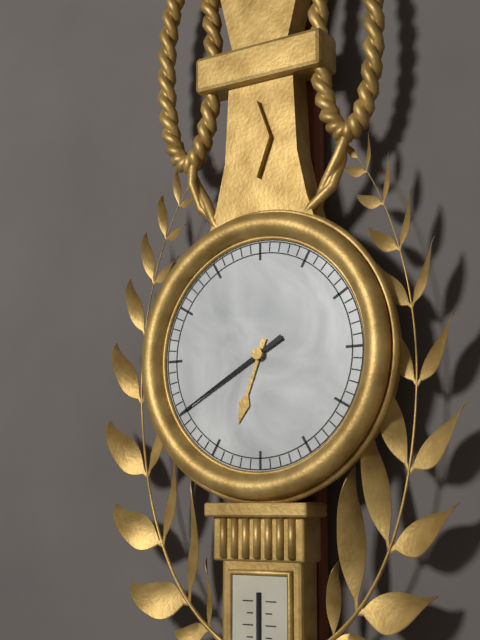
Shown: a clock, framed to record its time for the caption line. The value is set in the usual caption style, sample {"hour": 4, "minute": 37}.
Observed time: {"hour": 6, "minute": 40}
